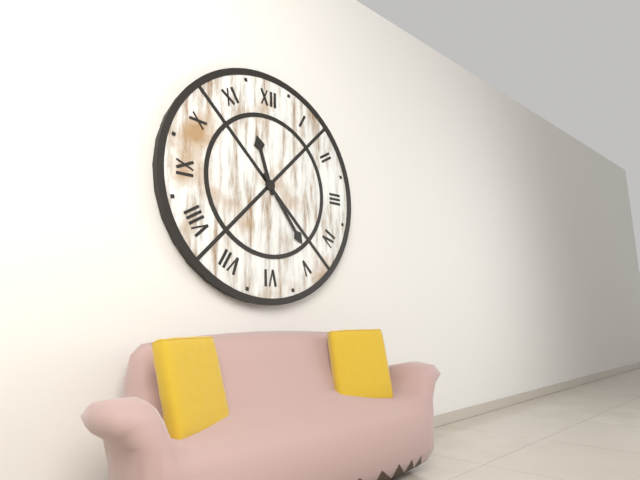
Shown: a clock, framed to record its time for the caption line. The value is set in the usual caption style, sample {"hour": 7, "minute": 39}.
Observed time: {"hour": 11, "minute": 24}
